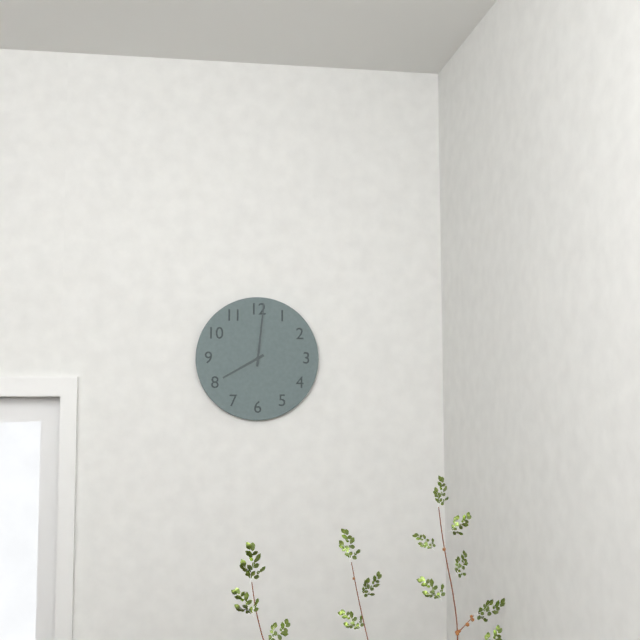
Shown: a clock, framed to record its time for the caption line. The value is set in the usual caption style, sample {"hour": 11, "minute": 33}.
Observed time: {"hour": 8, "minute": 1}
